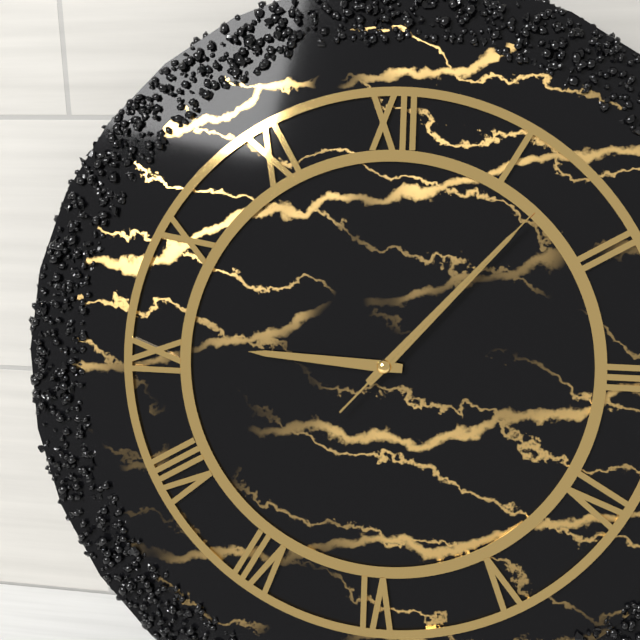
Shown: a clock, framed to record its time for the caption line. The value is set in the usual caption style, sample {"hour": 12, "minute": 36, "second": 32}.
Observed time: {"hour": 9, "minute": 7, "second": 7}
